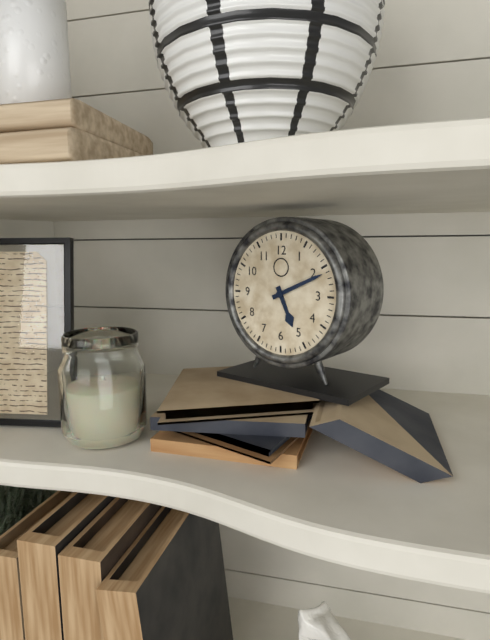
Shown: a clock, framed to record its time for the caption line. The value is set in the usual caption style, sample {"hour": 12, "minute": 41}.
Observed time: {"hour": 5, "minute": 11}
